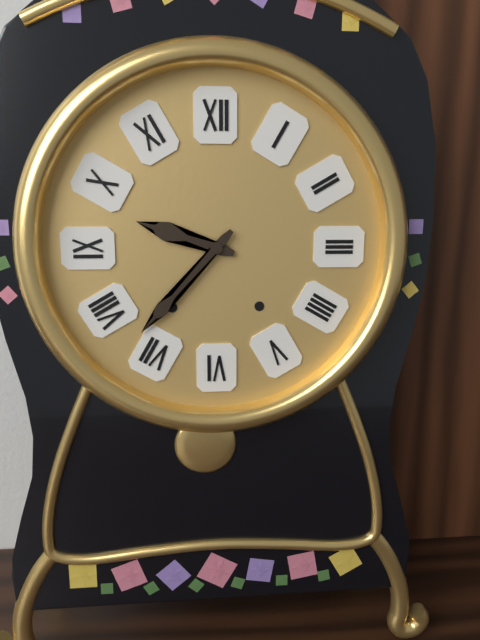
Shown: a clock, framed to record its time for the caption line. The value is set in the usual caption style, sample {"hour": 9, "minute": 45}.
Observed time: {"hour": 9, "minute": 37}
